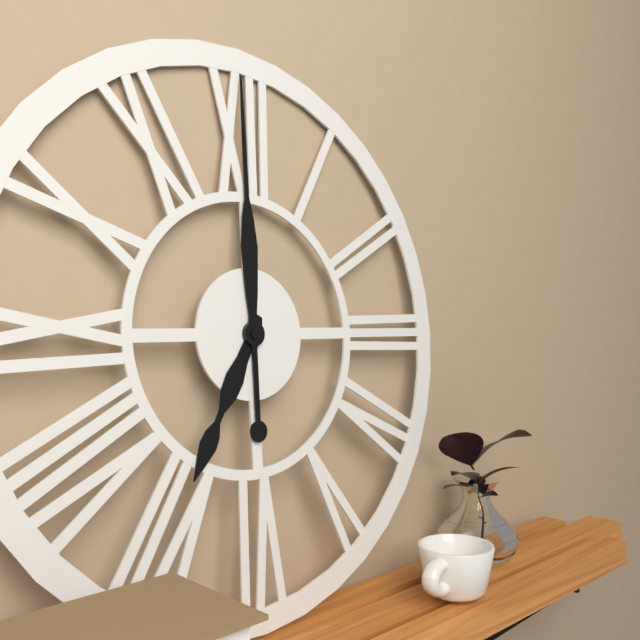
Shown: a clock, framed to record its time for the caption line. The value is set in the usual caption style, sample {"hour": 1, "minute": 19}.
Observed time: {"hour": 7, "minute": 0}
